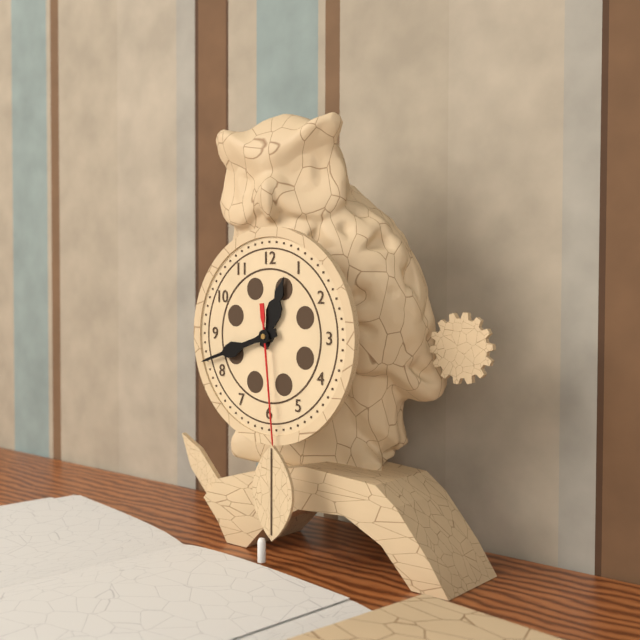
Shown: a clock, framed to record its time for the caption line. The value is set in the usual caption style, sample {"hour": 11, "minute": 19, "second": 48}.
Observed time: {"hour": 12, "minute": 42, "second": 29}
